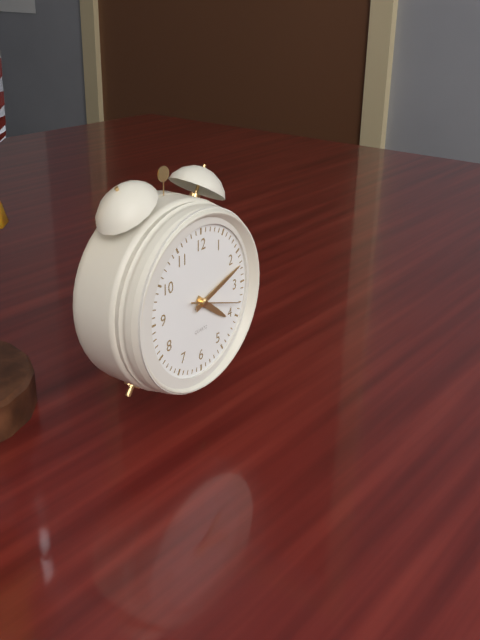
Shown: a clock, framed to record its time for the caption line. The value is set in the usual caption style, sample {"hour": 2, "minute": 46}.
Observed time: {"hour": 4, "minute": 12}
